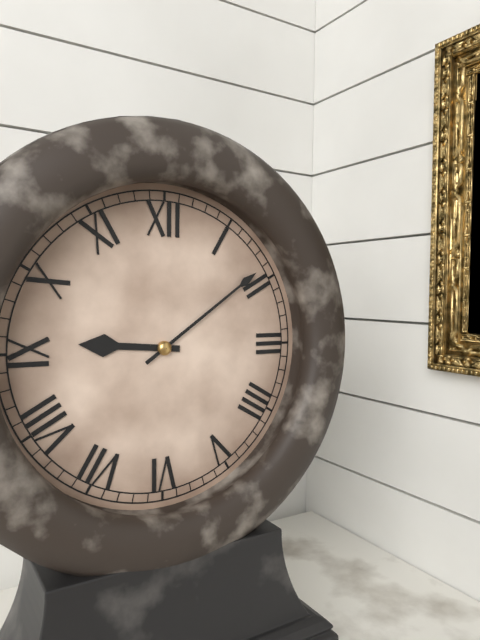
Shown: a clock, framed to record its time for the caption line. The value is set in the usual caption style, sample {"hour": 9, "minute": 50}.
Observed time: {"hour": 9, "minute": 9}
